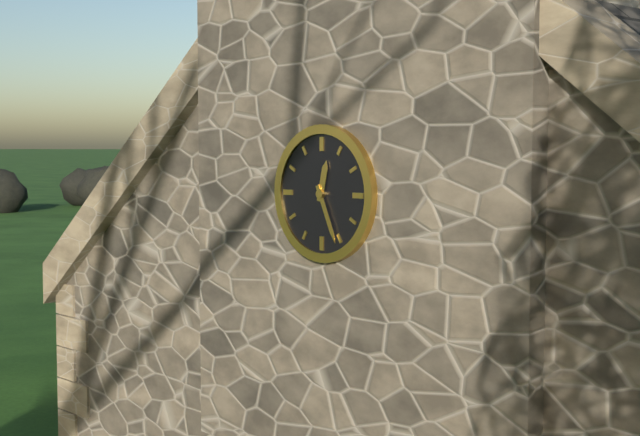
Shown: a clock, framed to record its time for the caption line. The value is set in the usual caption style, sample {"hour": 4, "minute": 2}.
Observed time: {"hour": 12, "minute": 26}
